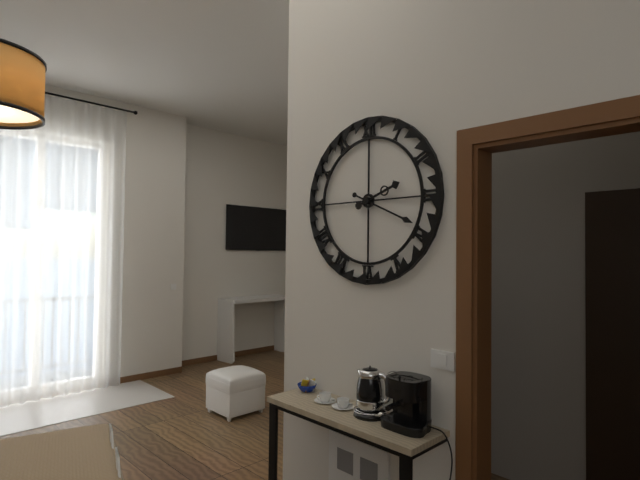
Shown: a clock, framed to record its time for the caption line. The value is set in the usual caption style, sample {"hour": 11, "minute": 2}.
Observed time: {"hour": 2, "minute": 19}
